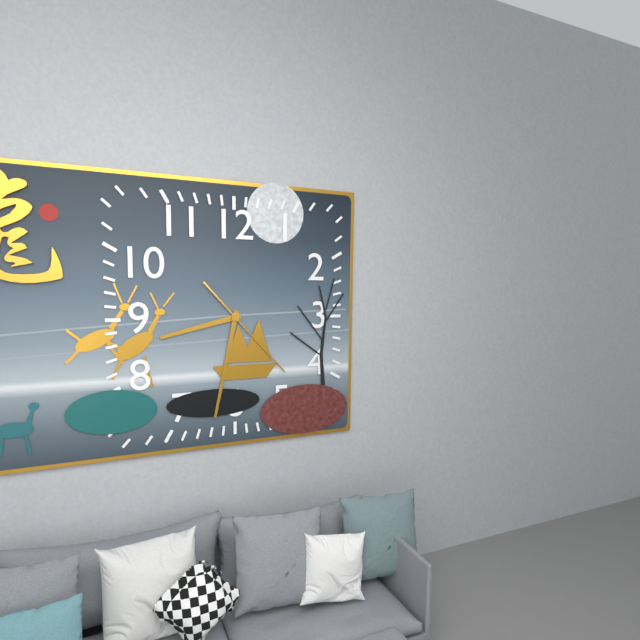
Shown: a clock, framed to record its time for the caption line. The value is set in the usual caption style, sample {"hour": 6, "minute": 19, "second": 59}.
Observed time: {"hour": 8, "minute": 32, "second": 23}
